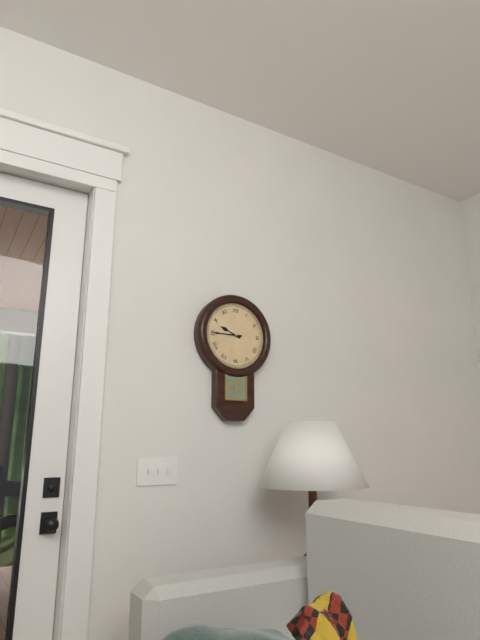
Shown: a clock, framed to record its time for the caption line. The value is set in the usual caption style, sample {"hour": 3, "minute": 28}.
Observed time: {"hour": 9, "minute": 45}
